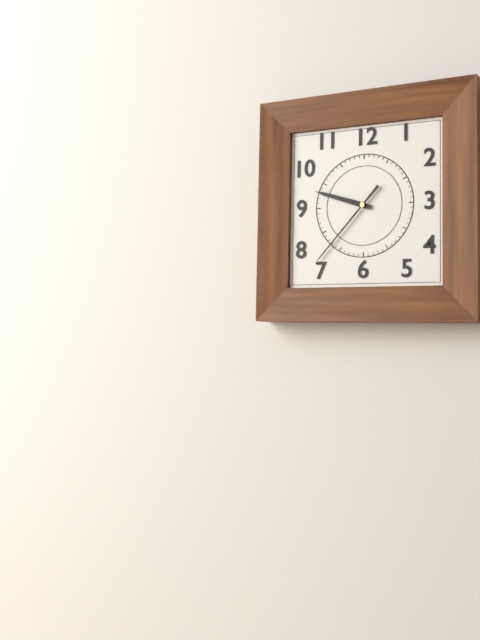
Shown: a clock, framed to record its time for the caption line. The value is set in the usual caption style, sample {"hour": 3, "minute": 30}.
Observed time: {"hour": 9, "minute": 37}
